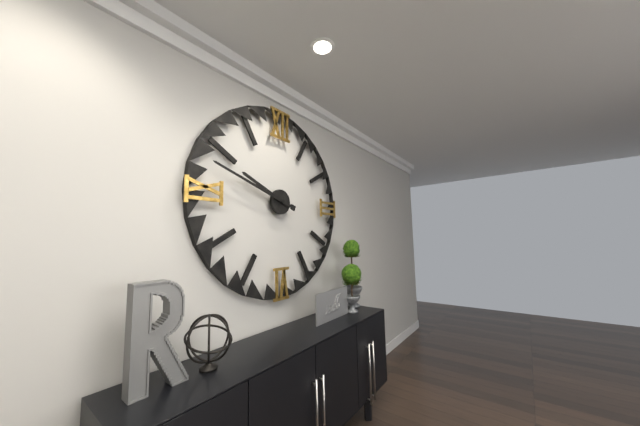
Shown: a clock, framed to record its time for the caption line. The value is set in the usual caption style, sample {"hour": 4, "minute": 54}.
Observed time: {"hour": 9, "minute": 48}
